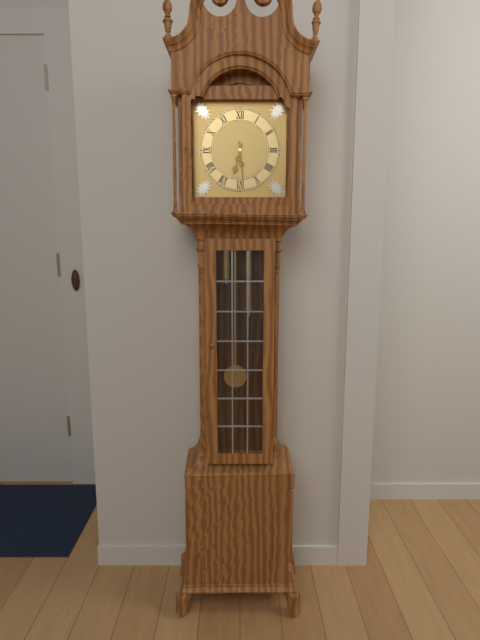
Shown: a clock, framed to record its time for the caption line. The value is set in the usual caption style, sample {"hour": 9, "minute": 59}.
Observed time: {"hour": 6, "minute": 29}
